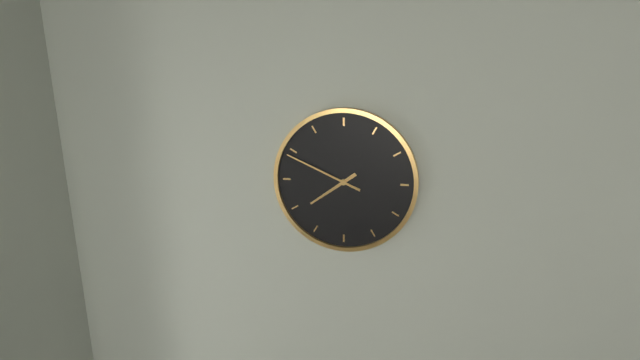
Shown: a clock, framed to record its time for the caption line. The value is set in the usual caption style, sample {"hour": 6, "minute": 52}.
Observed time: {"hour": 7, "minute": 49}
